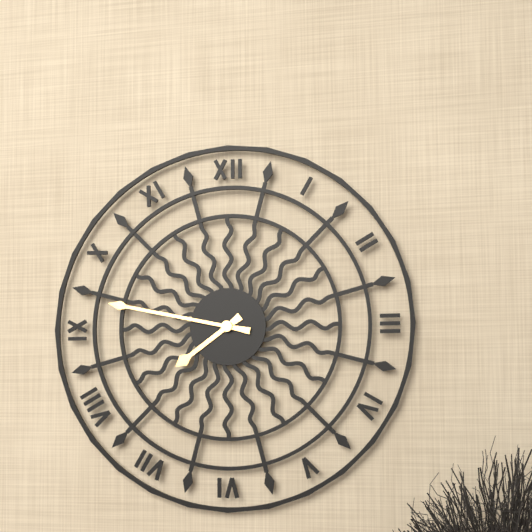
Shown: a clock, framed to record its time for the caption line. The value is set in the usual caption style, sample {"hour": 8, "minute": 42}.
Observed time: {"hour": 7, "minute": 47}
